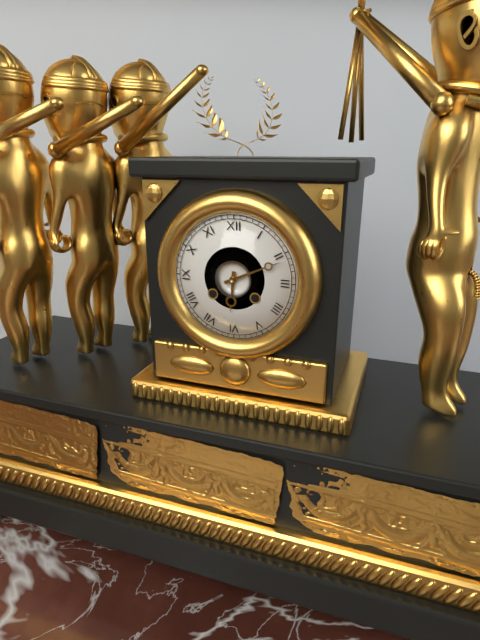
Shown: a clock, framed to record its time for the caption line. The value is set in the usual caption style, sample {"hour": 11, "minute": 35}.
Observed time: {"hour": 6, "minute": 11}
